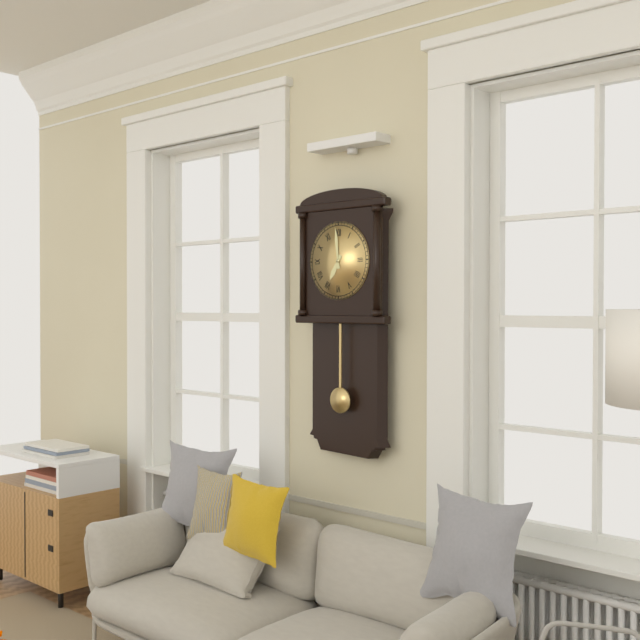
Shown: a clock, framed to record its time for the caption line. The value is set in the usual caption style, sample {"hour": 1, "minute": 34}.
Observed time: {"hour": 6, "minute": 59}
